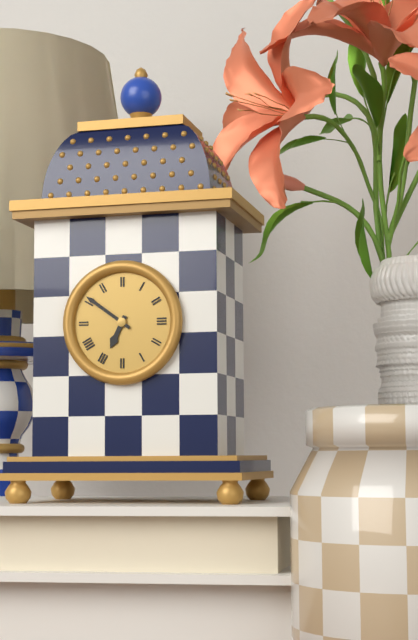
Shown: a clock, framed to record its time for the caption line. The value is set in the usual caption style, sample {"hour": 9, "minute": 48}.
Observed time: {"hour": 6, "minute": 51}
